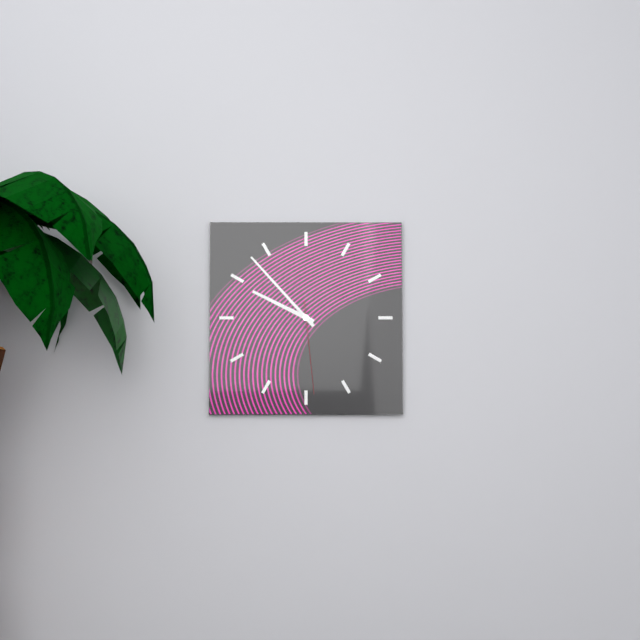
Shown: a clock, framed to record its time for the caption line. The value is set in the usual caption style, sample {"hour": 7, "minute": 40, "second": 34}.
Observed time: {"hour": 9, "minute": 53, "second": 29}
